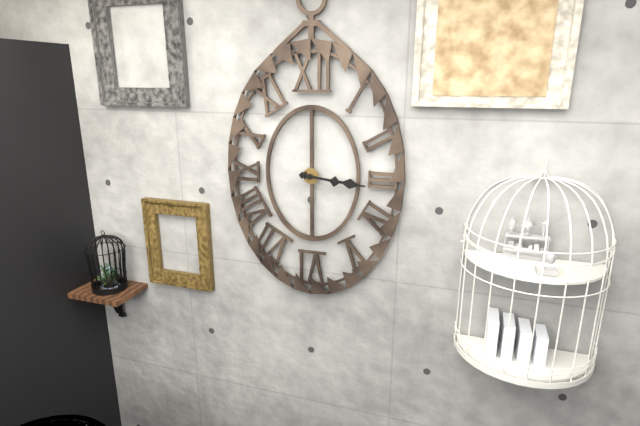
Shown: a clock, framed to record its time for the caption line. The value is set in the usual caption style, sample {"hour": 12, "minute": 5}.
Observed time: {"hour": 3, "minute": 16}
